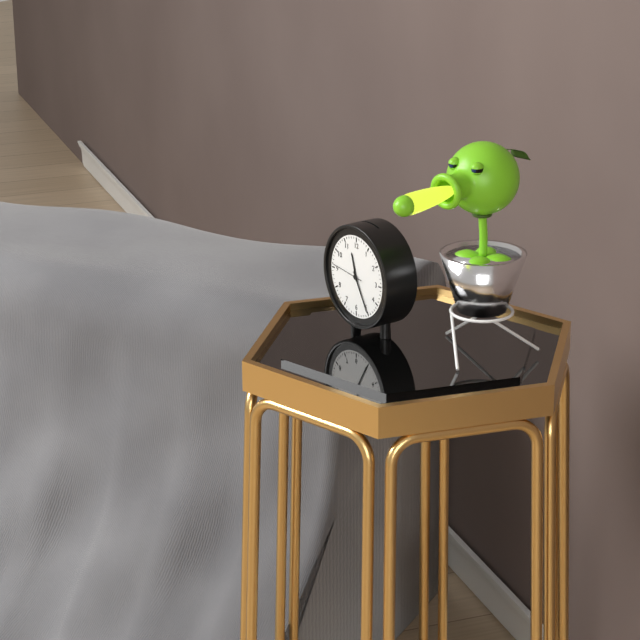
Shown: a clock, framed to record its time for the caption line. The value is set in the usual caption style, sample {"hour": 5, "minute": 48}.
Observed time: {"hour": 11, "minute": 25}
